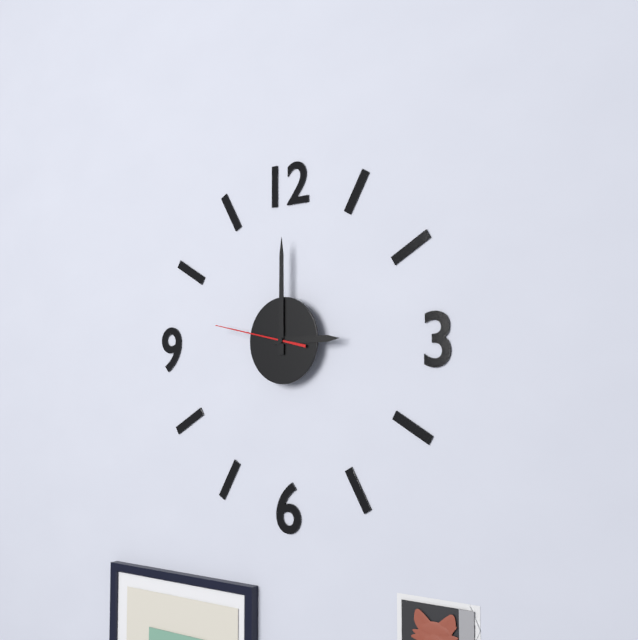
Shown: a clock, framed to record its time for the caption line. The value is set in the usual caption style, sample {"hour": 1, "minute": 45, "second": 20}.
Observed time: {"hour": 3, "minute": 0, "second": 47}
